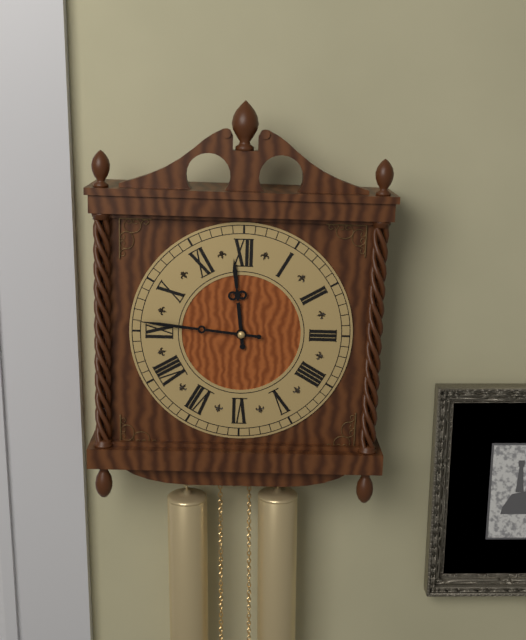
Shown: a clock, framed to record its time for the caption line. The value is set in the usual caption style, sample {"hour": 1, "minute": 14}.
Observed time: {"hour": 11, "minute": 46}
